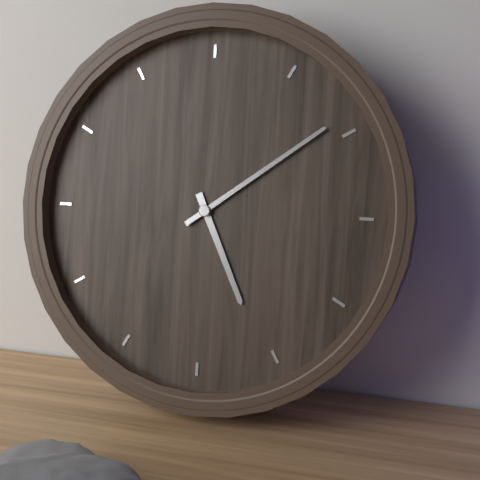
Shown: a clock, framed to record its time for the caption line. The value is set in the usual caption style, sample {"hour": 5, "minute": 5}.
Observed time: {"hour": 5, "minute": 9}
